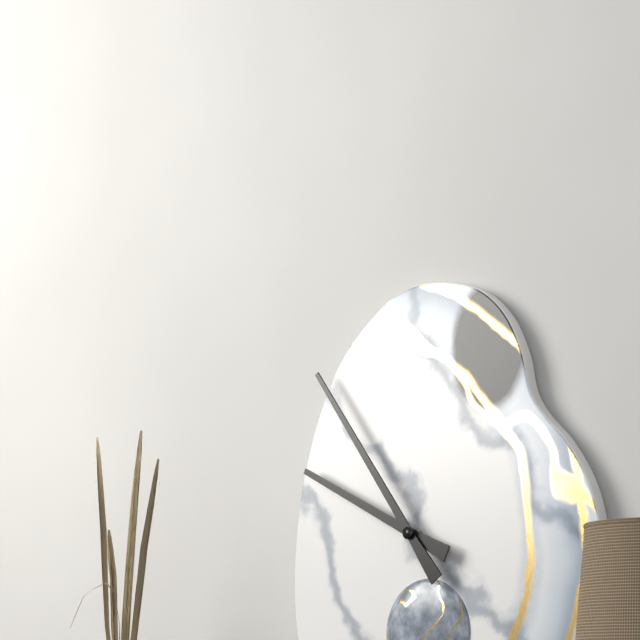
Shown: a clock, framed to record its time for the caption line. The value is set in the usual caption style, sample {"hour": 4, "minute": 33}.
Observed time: {"hour": 9, "minute": 54}
